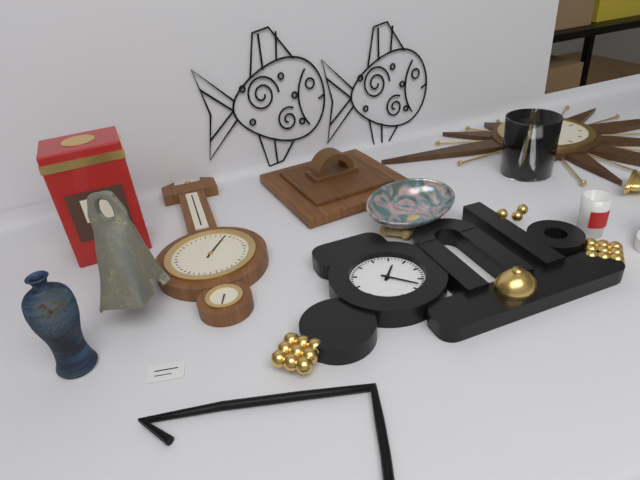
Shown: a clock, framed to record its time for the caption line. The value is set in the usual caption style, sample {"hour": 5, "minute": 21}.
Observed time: {"hour": 1, "minute": 23}
